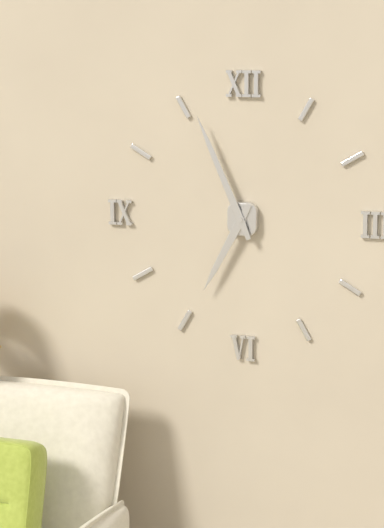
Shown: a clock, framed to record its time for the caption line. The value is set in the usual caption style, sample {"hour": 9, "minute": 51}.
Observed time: {"hour": 6, "minute": 56}
